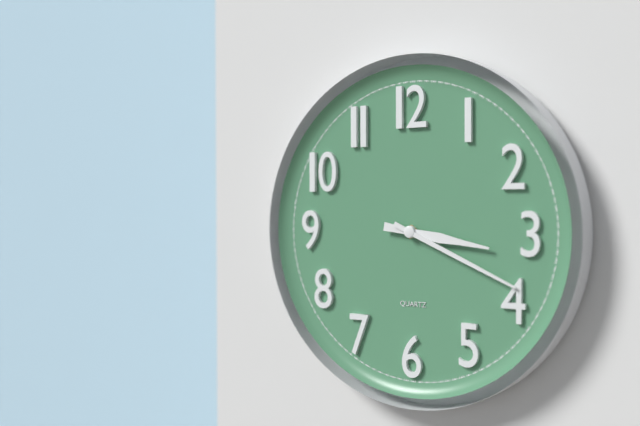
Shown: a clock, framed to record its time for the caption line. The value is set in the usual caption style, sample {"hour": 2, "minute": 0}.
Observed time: {"hour": 3, "minute": 19}
